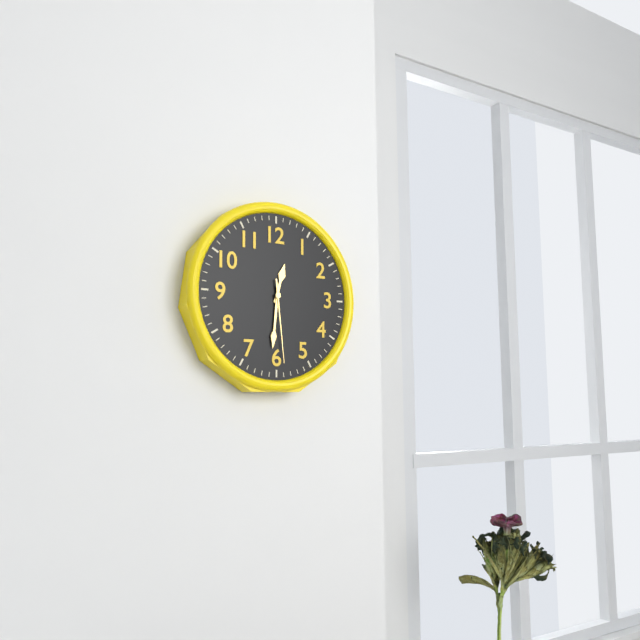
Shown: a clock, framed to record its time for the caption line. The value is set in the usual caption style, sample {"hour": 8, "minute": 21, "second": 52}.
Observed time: {"hour": 12, "minute": 31, "second": 29}
